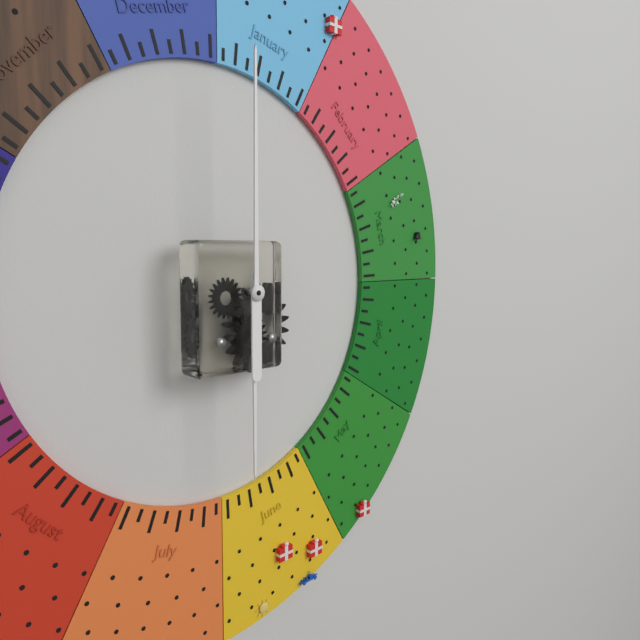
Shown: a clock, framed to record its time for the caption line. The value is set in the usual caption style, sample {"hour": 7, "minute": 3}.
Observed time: {"hour": 6, "minute": 0}
